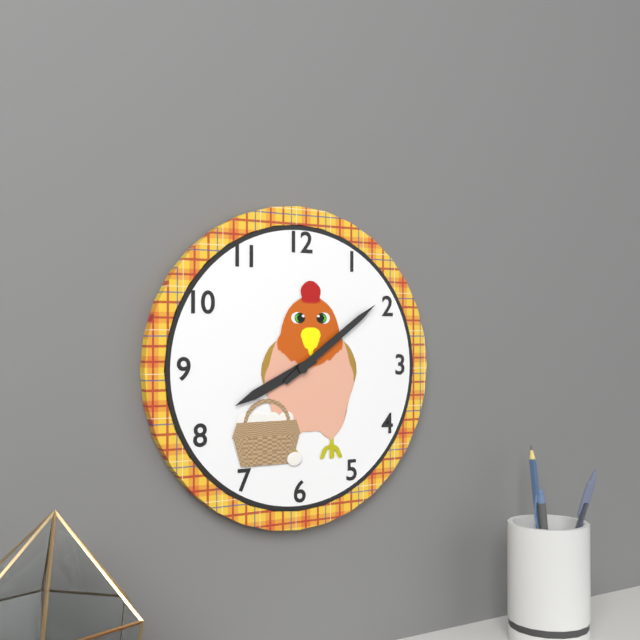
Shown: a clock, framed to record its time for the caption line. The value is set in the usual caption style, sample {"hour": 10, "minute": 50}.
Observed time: {"hour": 8, "minute": 9}
